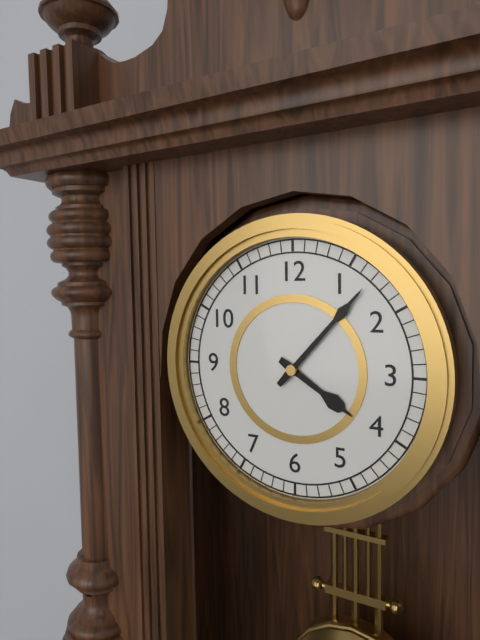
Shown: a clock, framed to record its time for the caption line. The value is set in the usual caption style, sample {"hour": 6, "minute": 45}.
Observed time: {"hour": 4, "minute": 7}
